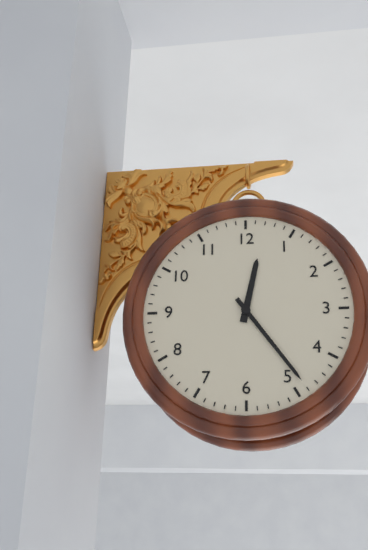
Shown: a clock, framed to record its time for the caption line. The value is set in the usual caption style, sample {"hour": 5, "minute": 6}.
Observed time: {"hour": 12, "minute": 24}
